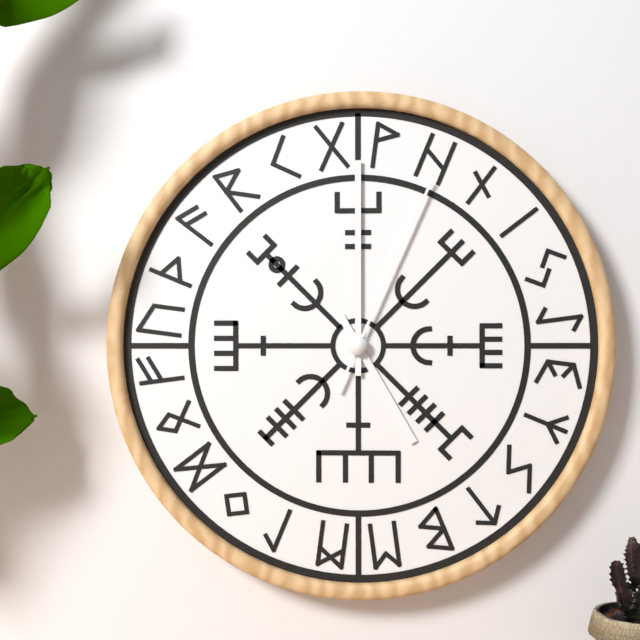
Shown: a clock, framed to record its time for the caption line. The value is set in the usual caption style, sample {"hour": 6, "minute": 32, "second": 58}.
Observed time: {"hour": 5, "minute": 0, "second": 4}
